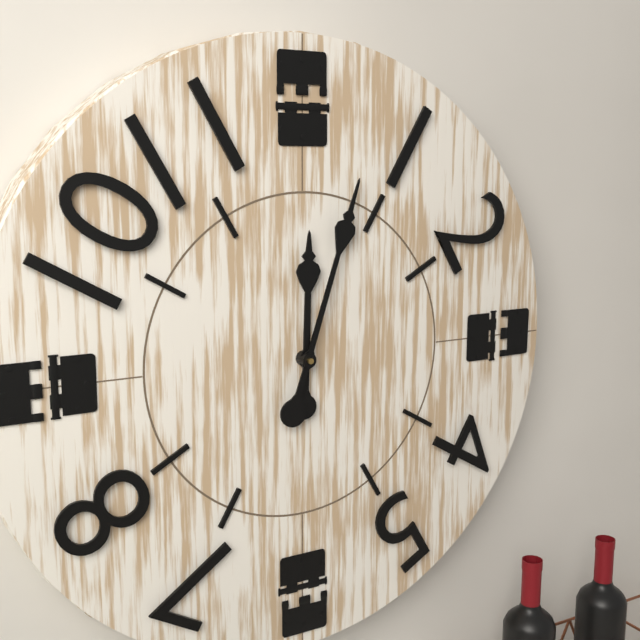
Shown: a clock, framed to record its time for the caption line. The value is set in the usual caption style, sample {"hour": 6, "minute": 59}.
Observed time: {"hour": 12, "minute": 3}
